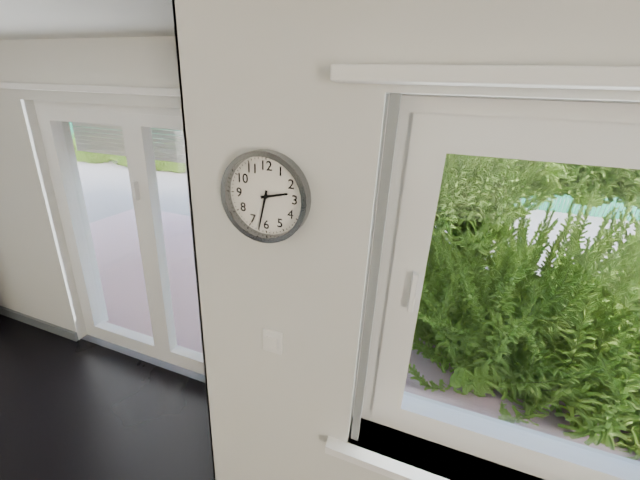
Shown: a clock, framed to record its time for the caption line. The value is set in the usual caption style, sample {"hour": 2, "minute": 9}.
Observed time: {"hour": 2, "minute": 32}
